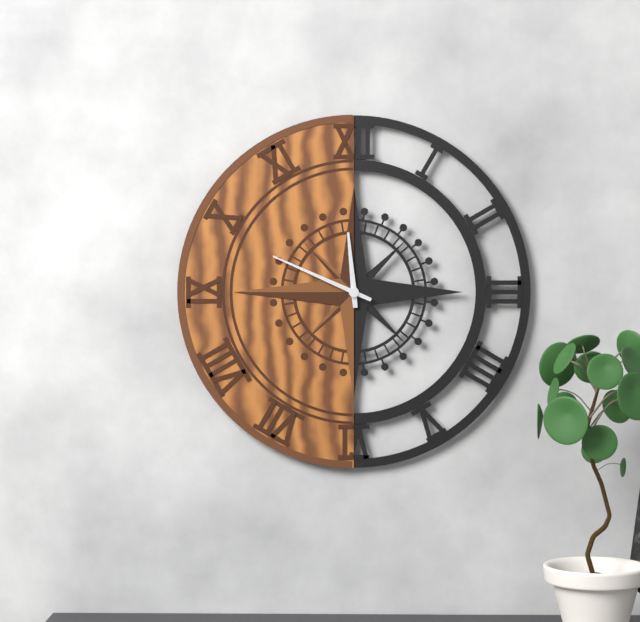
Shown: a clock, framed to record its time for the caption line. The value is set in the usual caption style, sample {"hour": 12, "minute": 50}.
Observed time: {"hour": 11, "minute": 49}
